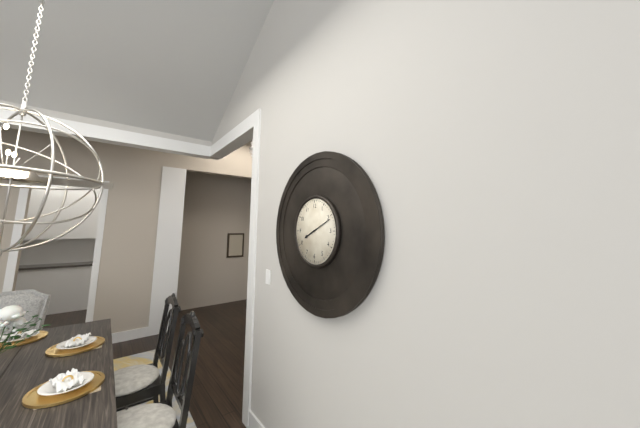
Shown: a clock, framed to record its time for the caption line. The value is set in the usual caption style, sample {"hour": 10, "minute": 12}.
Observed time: {"hour": 8, "minute": 11}
